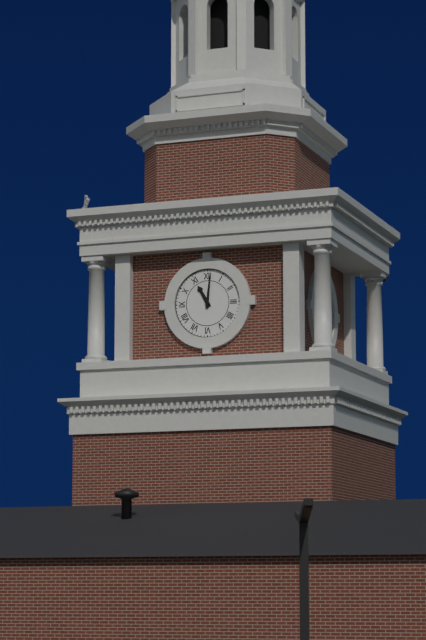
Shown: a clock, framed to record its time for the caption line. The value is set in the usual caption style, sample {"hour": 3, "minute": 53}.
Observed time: {"hour": 11, "minute": 1}
